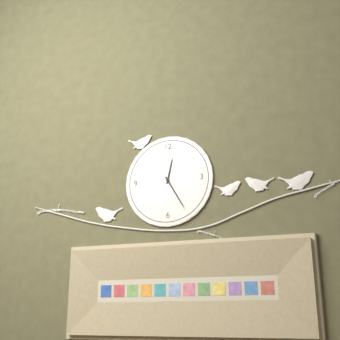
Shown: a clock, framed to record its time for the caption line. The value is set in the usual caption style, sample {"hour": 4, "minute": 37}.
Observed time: {"hour": 12, "minute": 25}
